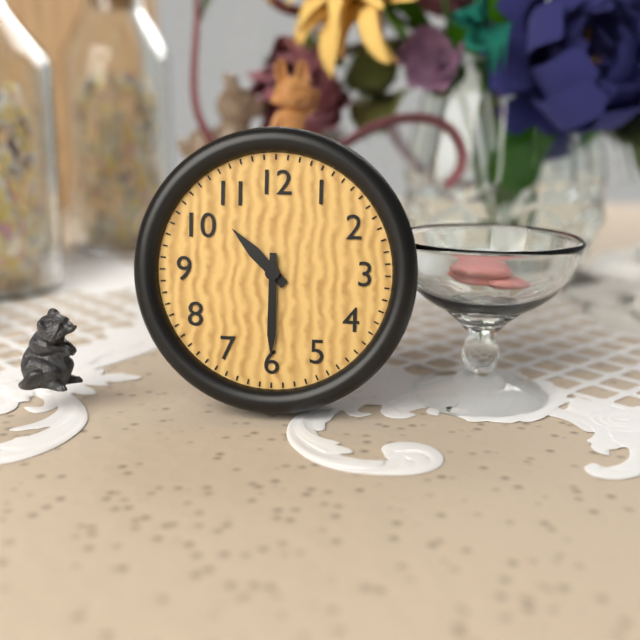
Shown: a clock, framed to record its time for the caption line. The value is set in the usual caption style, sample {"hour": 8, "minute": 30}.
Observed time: {"hour": 10, "minute": 30}
